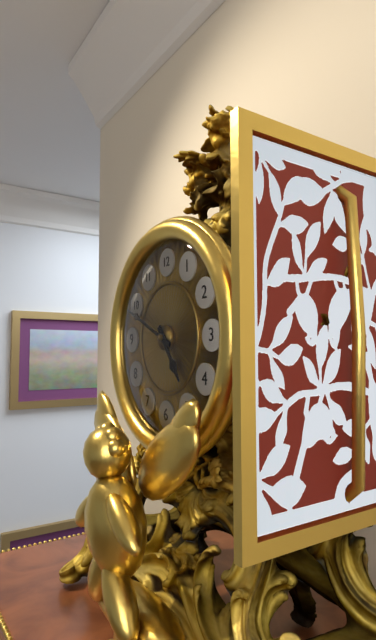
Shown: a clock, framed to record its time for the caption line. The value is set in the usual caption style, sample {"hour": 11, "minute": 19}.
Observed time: {"hour": 4, "minute": 49}
